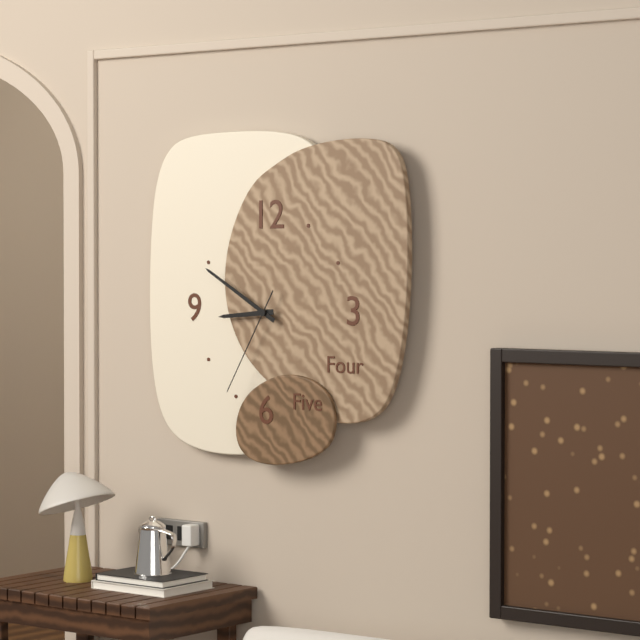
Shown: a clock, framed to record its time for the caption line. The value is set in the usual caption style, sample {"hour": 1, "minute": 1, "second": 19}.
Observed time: {"hour": 8, "minute": 50, "second": 35}
